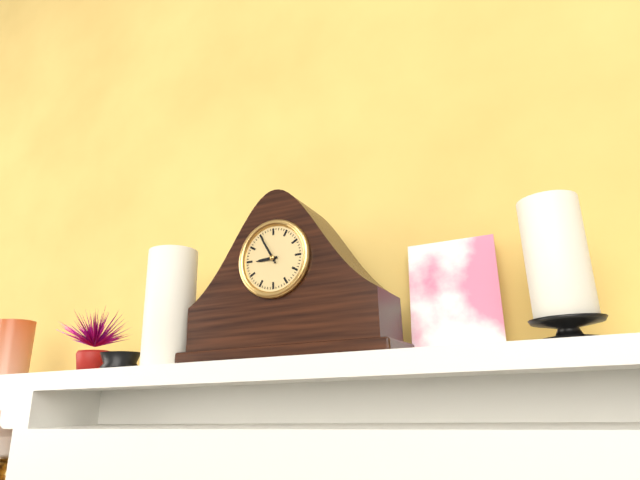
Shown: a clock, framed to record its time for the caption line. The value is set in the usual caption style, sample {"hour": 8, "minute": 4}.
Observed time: {"hour": 8, "minute": 55}
